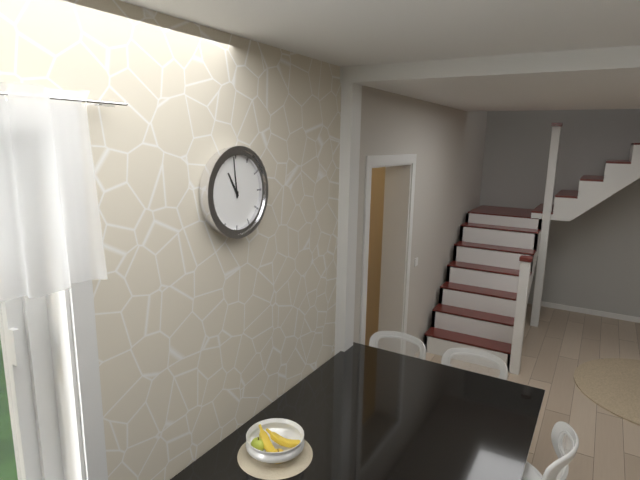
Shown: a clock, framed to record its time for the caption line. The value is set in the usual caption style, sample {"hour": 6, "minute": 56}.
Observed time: {"hour": 10, "minute": 59}
